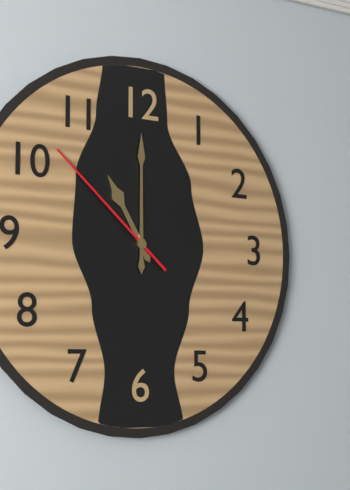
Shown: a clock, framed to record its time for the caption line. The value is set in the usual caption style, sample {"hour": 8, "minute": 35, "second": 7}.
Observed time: {"hour": 11, "minute": 0, "second": 52}
